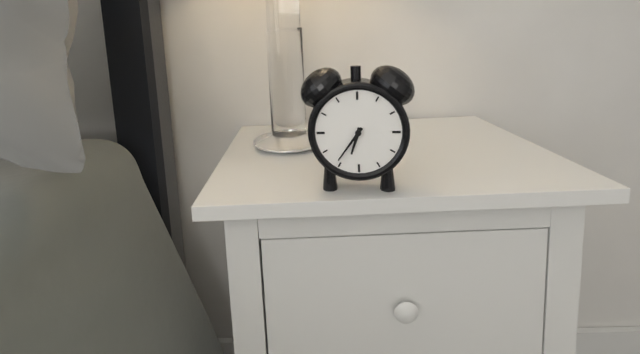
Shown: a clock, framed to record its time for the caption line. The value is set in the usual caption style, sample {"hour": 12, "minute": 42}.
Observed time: {"hour": 6, "minute": 36}
